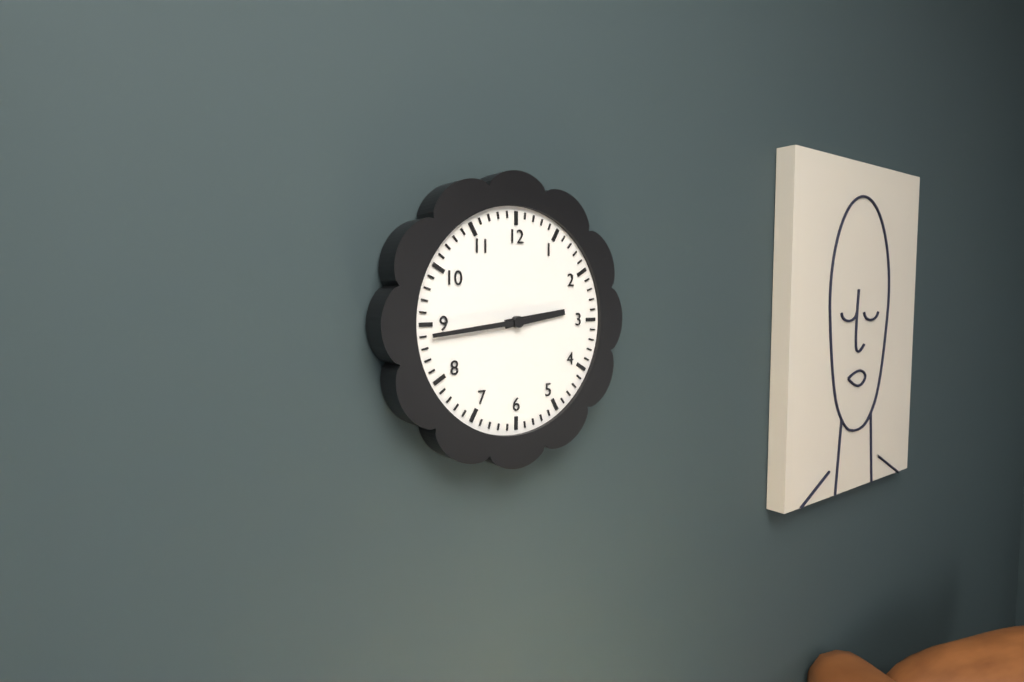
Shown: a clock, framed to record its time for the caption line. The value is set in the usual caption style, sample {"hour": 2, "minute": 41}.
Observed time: {"hour": 2, "minute": 44}
